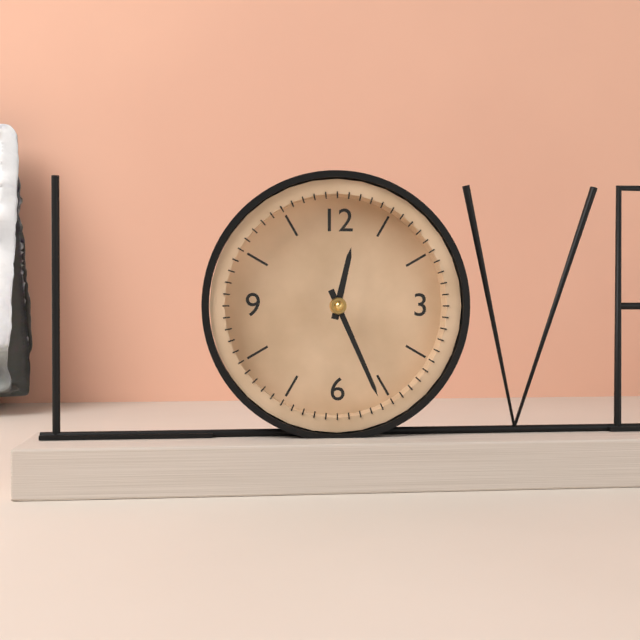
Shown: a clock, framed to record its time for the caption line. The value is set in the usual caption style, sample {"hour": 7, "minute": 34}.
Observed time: {"hour": 12, "minute": 26}
